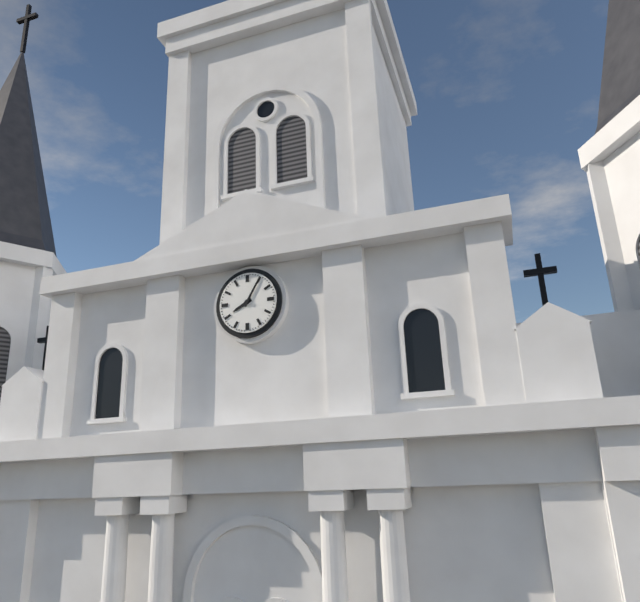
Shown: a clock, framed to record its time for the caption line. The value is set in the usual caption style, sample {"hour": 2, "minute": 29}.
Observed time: {"hour": 8, "minute": 5}
